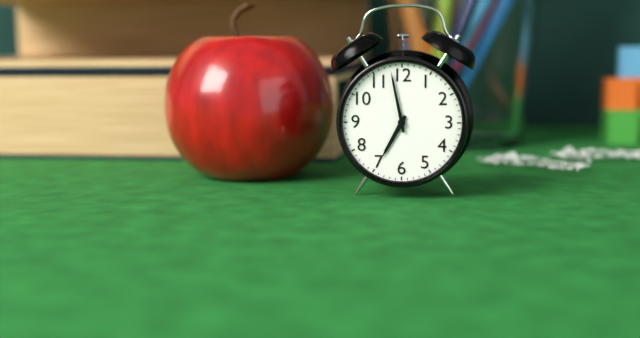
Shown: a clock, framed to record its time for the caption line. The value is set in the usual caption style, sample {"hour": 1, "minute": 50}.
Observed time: {"hour": 6, "minute": 58}
